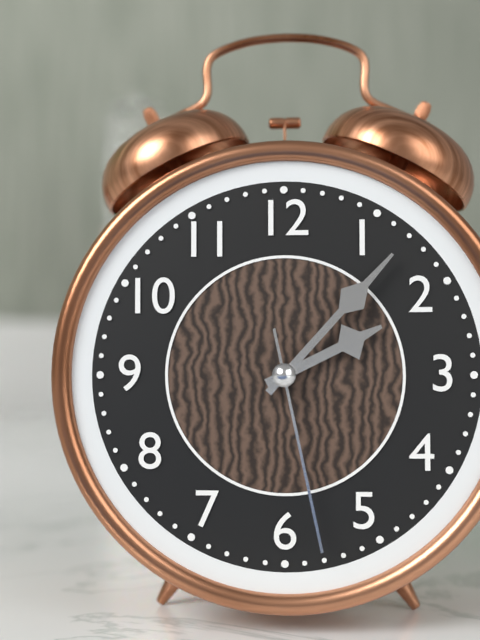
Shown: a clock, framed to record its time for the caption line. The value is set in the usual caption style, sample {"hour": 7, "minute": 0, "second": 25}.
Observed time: {"hour": 2, "minute": 7, "second": 28}
